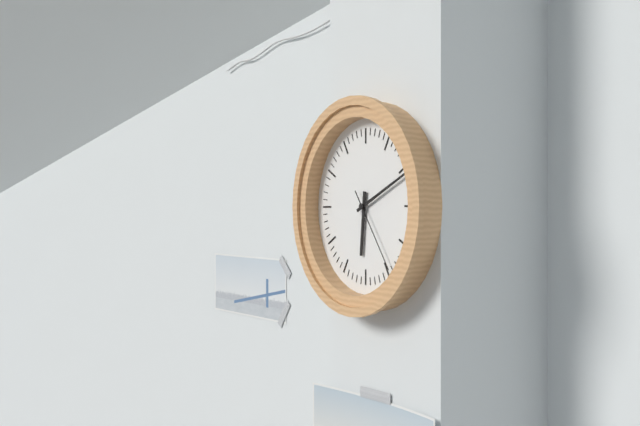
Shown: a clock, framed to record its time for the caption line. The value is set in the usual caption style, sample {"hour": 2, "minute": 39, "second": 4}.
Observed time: {"hour": 6, "minute": 11, "second": 24}
